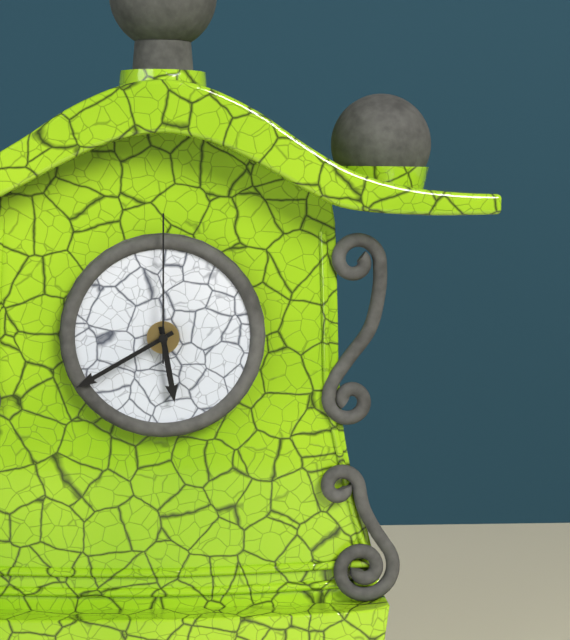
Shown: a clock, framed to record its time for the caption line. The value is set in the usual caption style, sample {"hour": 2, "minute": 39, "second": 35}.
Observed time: {"hour": 5, "minute": 40, "second": 0}
